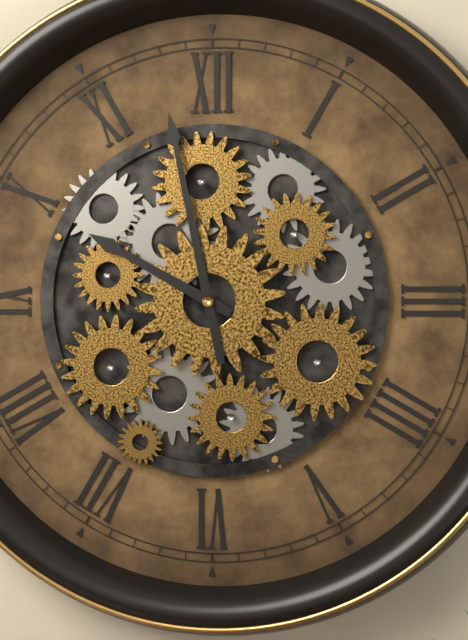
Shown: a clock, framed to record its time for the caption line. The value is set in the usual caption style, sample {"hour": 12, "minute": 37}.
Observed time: {"hour": 9, "minute": 58}
